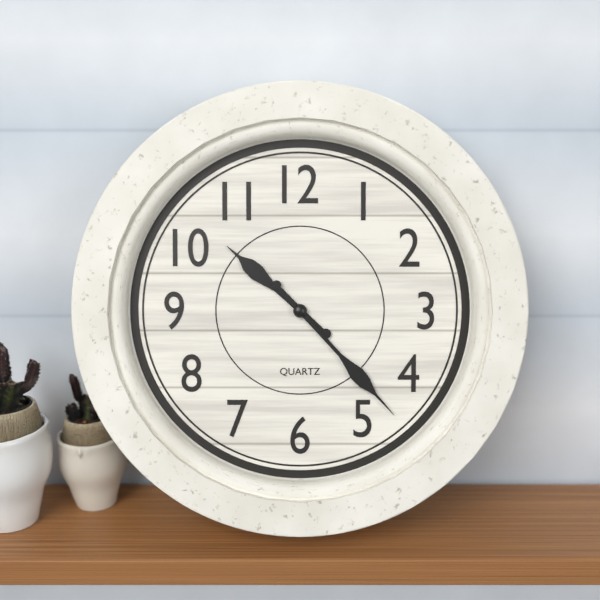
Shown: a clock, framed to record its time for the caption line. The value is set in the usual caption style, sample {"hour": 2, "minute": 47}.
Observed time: {"hour": 10, "minute": 23}
